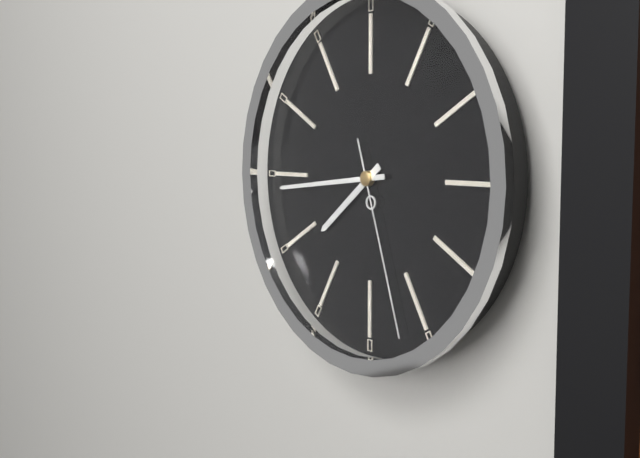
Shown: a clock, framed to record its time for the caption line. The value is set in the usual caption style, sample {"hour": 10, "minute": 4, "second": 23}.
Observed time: {"hour": 7, "minute": 44, "second": 27}
